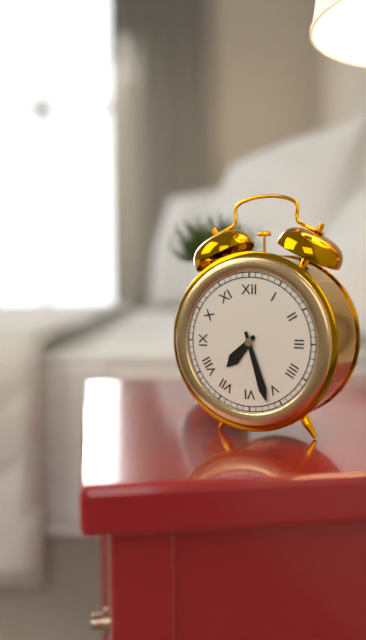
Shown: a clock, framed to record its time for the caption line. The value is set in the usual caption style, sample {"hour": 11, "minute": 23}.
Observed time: {"hour": 7, "minute": 27}
